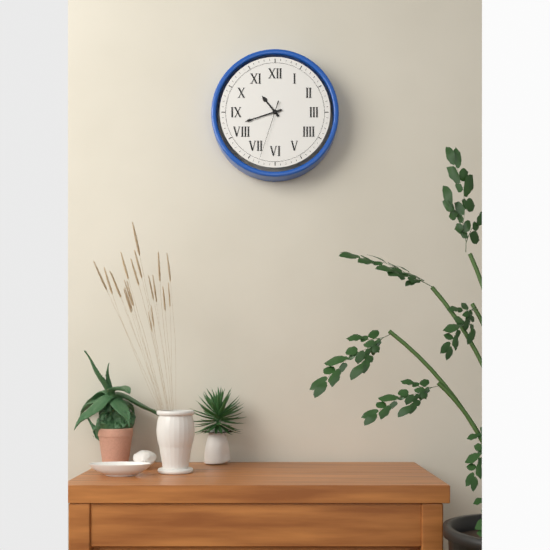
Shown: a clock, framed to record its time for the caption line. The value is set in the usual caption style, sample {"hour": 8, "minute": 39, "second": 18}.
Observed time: {"hour": 10, "minute": 42, "second": 33}
